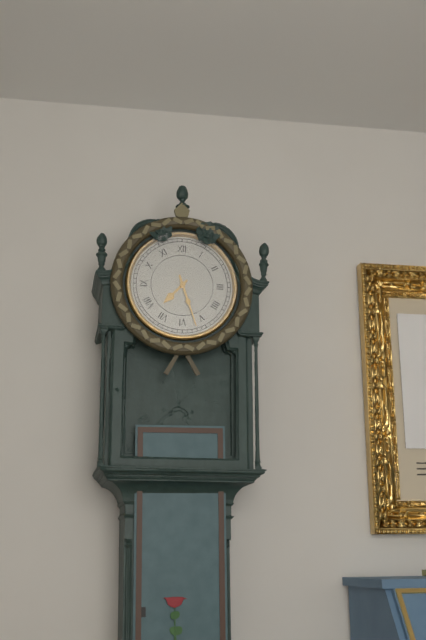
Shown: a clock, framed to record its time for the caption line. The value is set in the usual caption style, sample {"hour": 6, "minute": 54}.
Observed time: {"hour": 7, "minute": 27}
